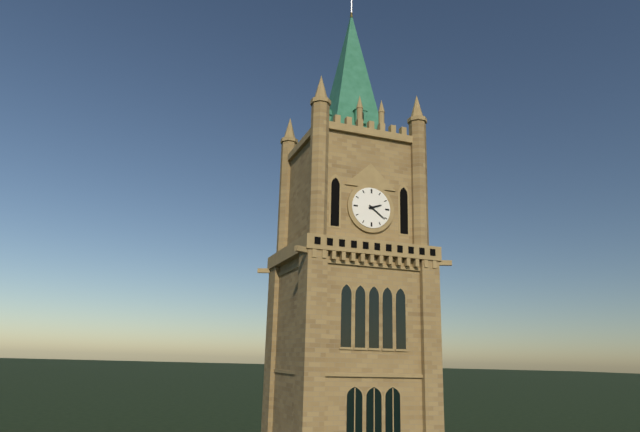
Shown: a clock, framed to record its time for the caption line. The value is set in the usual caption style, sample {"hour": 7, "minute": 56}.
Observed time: {"hour": 2, "minute": 21}
